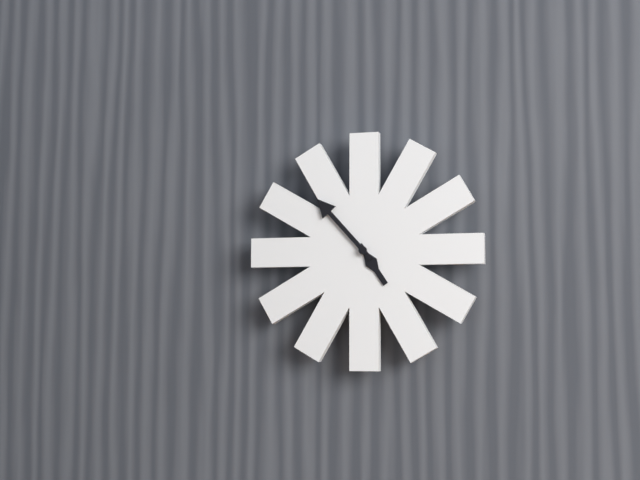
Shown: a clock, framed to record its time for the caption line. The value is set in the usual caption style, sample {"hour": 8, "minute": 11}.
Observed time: {"hour": 4, "minute": 53}
